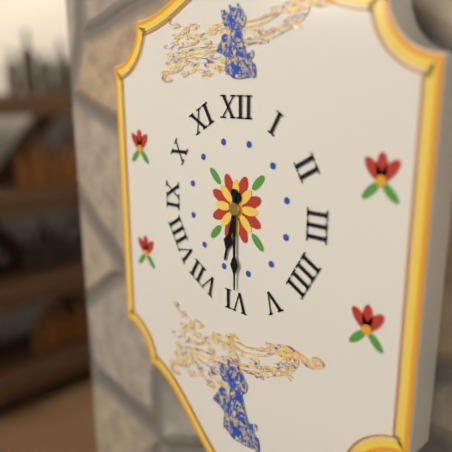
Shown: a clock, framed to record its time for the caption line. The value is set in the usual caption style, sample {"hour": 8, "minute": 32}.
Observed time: {"hour": 6, "minute": 30}
